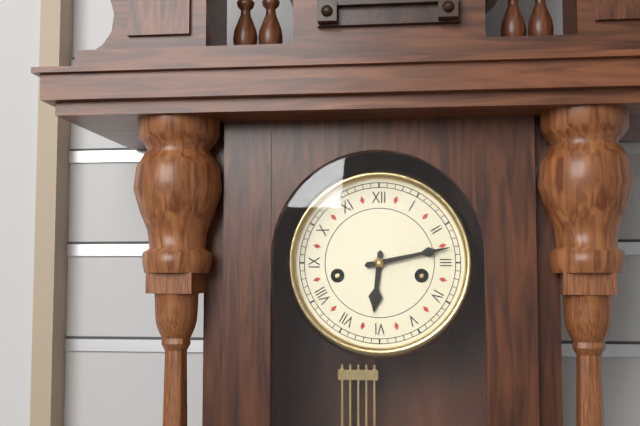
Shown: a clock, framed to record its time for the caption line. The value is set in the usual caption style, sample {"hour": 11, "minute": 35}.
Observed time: {"hour": 6, "minute": 13}
